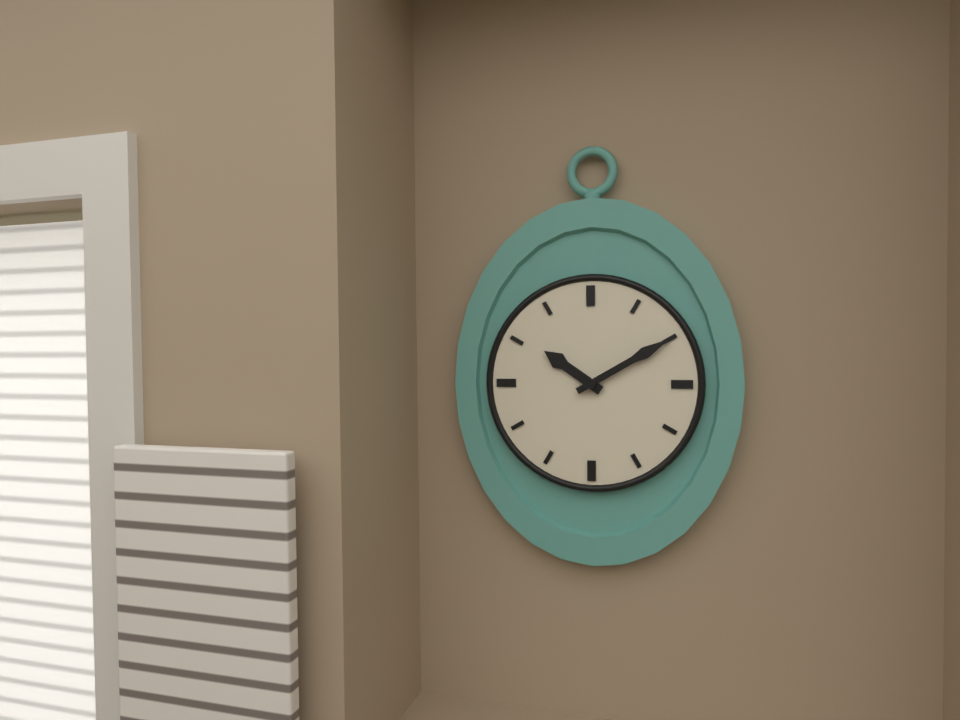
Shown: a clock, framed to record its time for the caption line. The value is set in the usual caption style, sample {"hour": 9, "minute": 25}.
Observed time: {"hour": 10, "minute": 10}
